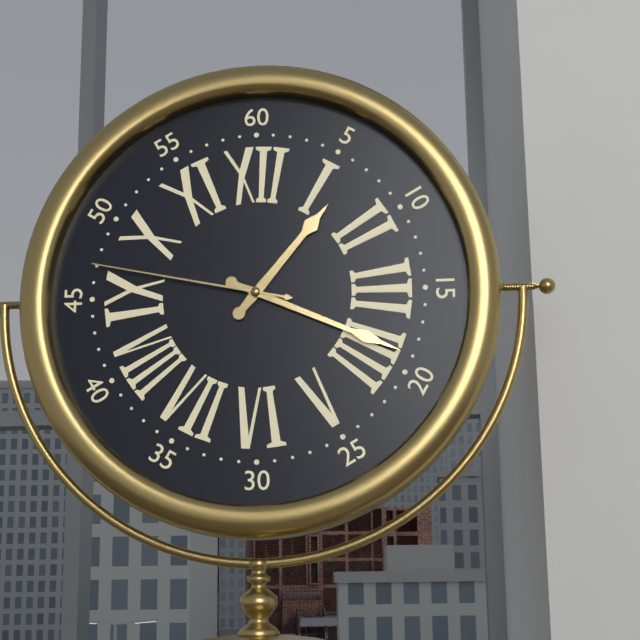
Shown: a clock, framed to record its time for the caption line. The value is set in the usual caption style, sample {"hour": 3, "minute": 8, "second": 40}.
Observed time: {"hour": 1, "minute": 19, "second": 47}
